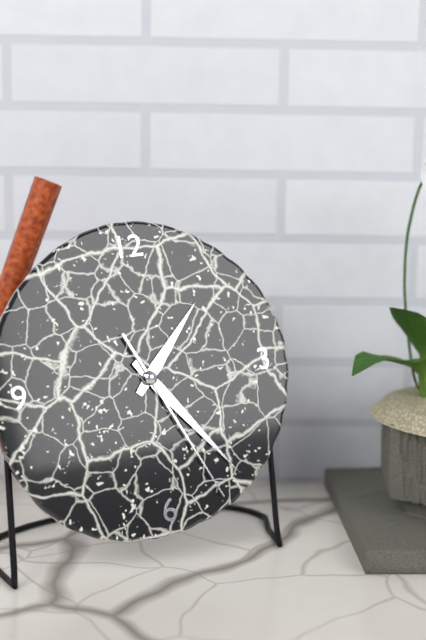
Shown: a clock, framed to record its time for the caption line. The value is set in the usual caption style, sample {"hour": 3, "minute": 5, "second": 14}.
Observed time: {"hour": 1, "minute": 24, "second": 26}
